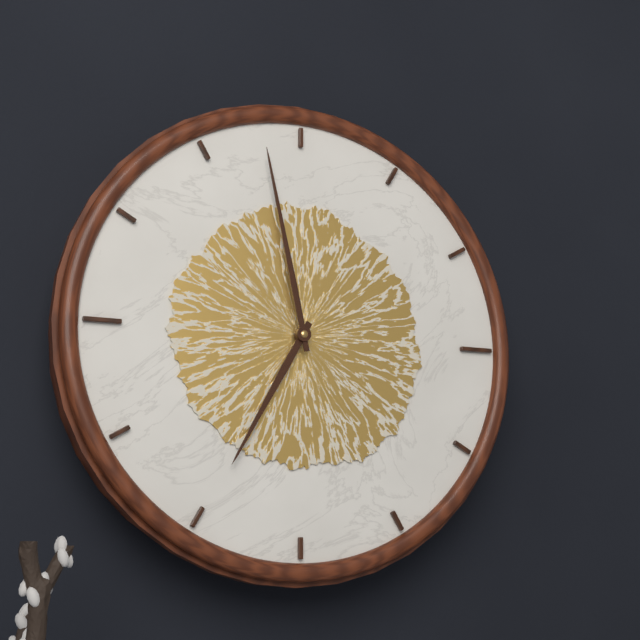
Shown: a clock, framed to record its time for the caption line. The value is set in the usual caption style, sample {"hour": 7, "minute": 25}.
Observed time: {"hour": 6, "minute": 58}
